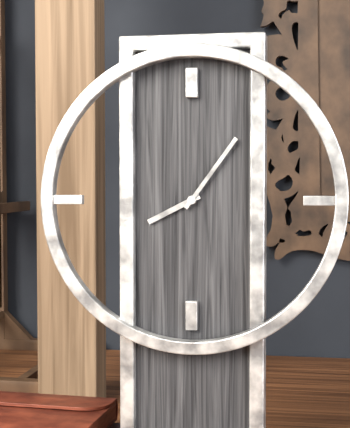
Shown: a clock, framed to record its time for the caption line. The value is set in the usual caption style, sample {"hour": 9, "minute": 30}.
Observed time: {"hour": 8, "minute": 6}
